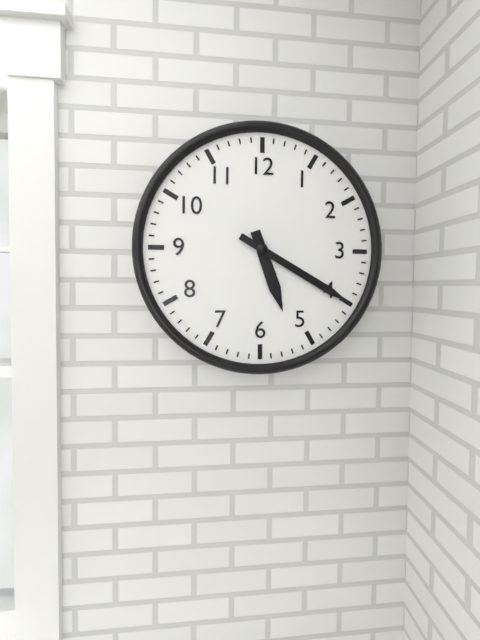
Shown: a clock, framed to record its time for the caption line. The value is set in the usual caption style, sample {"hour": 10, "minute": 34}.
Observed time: {"hour": 5, "minute": 20}
